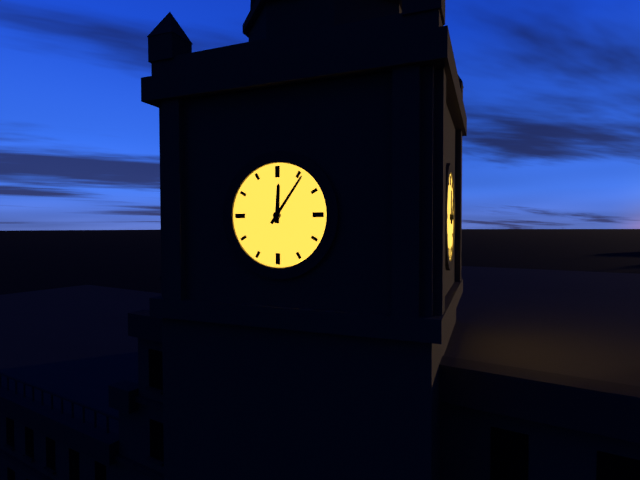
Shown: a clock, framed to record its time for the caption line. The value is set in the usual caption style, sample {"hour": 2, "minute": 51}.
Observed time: {"hour": 12, "minute": 6}
